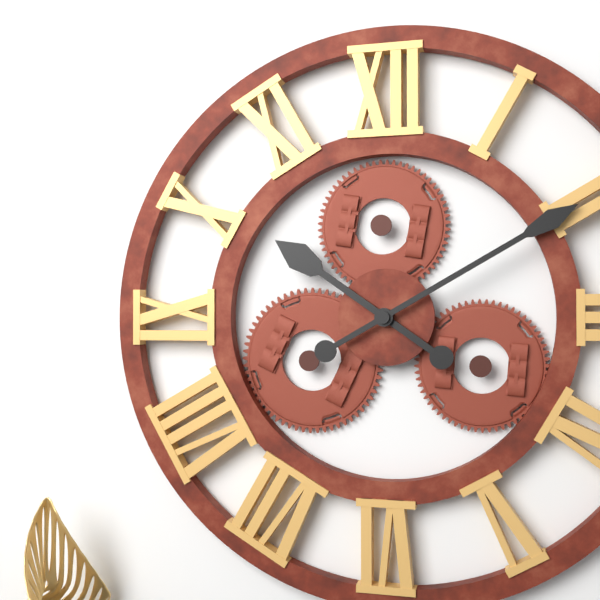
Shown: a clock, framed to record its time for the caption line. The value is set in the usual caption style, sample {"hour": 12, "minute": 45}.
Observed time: {"hour": 10, "minute": 10}
